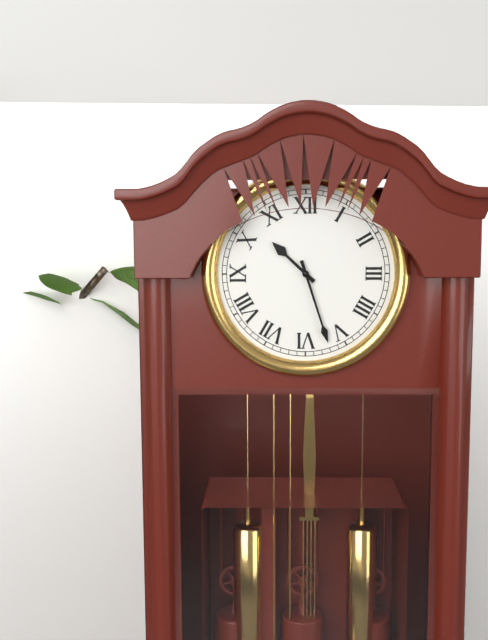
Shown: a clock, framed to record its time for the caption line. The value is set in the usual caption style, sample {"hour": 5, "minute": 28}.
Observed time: {"hour": 10, "minute": 27}
